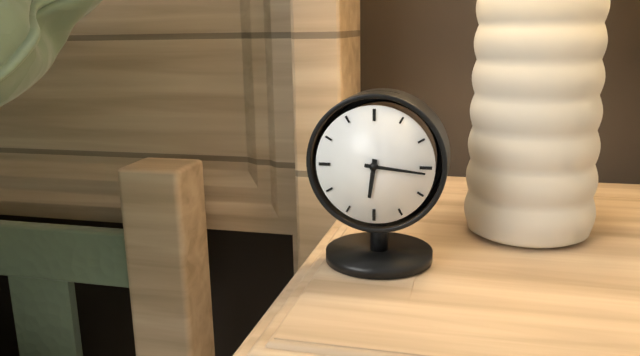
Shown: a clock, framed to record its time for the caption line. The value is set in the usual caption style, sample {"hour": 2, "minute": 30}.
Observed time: {"hour": 6, "minute": 16}
